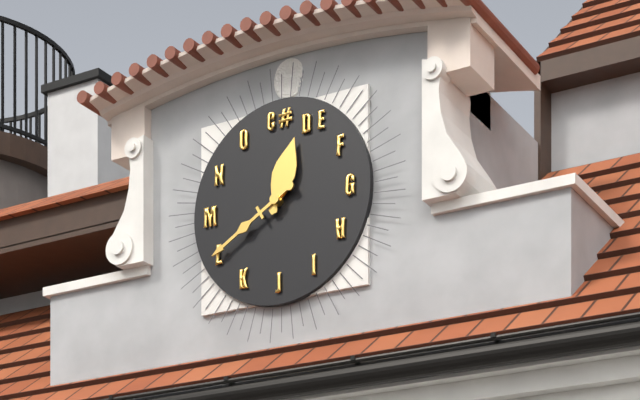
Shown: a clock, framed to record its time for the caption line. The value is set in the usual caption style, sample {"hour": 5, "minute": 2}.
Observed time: {"hour": 12, "minute": 40}
